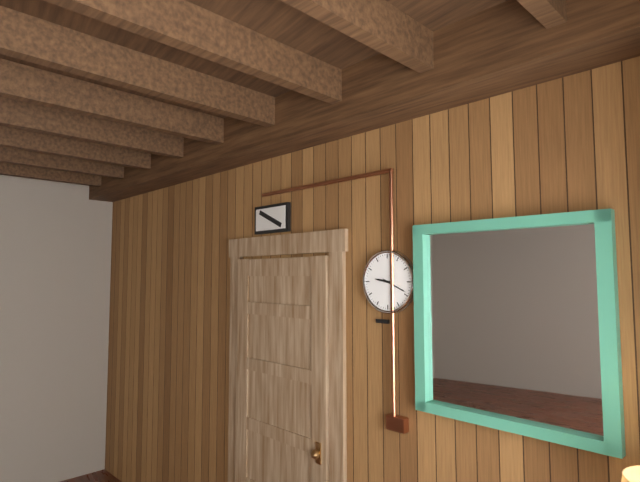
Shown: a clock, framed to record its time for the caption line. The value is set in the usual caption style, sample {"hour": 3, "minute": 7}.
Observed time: {"hour": 9, "minute": 19}
